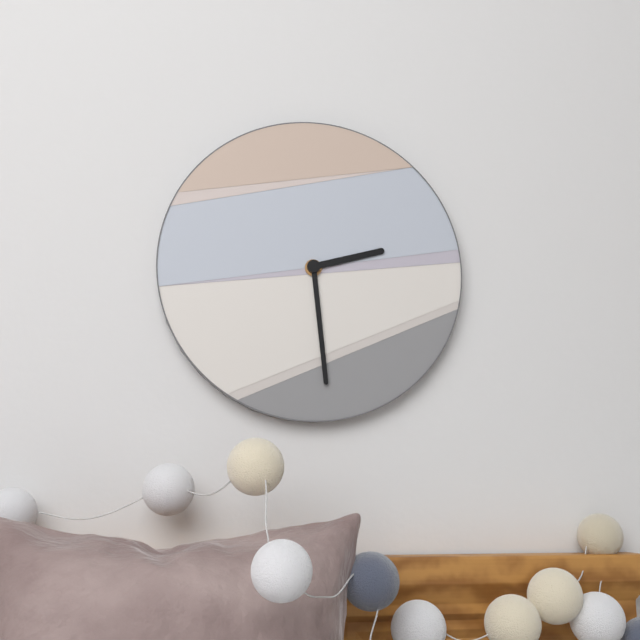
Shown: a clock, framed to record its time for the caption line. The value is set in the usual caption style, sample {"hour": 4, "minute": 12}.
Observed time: {"hour": 2, "minute": 29}
